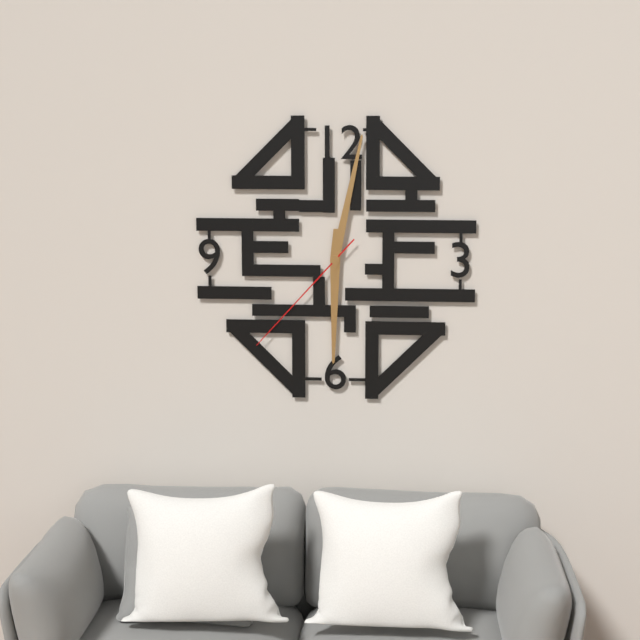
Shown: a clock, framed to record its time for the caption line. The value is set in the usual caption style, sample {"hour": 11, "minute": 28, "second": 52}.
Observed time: {"hour": 6, "minute": 2, "second": 37}
